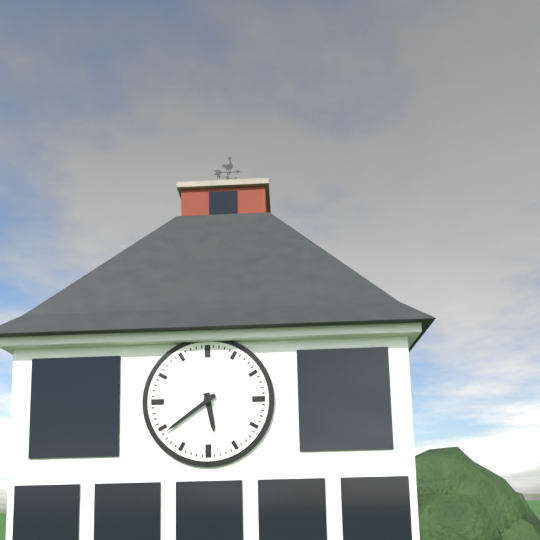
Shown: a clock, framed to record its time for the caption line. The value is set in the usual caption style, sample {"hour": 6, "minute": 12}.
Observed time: {"hour": 5, "minute": 39}
